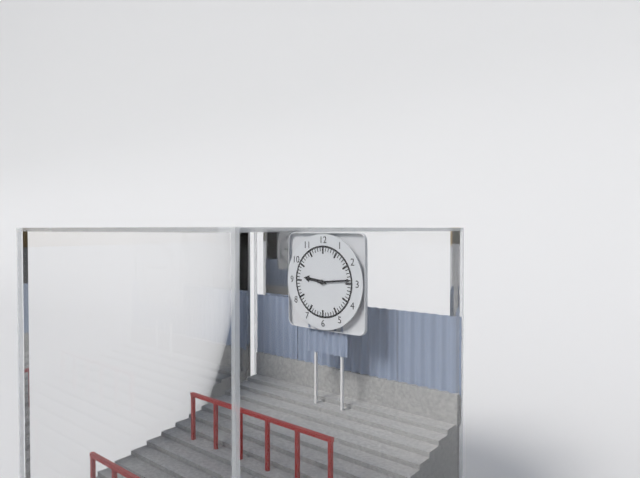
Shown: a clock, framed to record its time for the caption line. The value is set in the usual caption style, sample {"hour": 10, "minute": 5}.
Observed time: {"hour": 9, "minute": 14}
